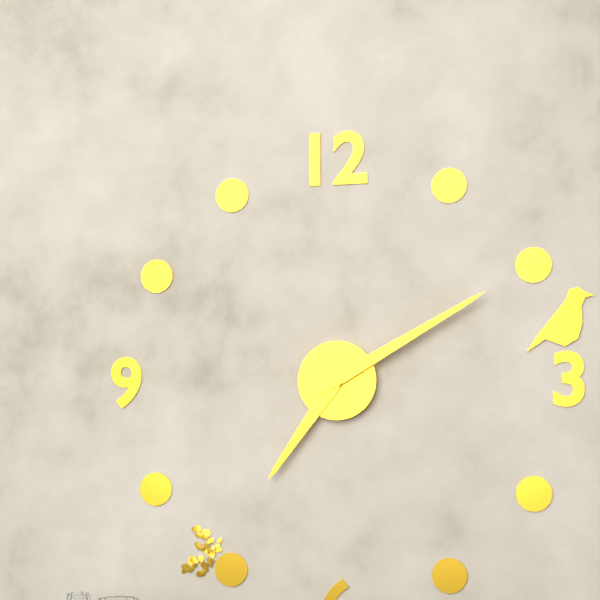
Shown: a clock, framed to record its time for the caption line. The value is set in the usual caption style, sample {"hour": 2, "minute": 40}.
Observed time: {"hour": 7, "minute": 10}
